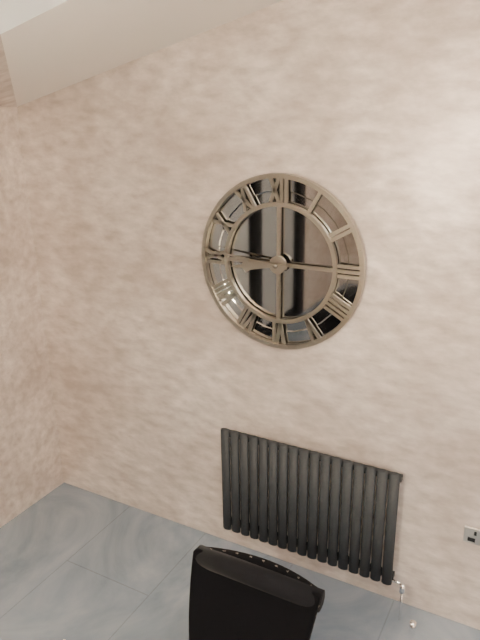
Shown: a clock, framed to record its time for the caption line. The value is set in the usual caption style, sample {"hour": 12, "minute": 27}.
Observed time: {"hour": 8, "minute": 46}
